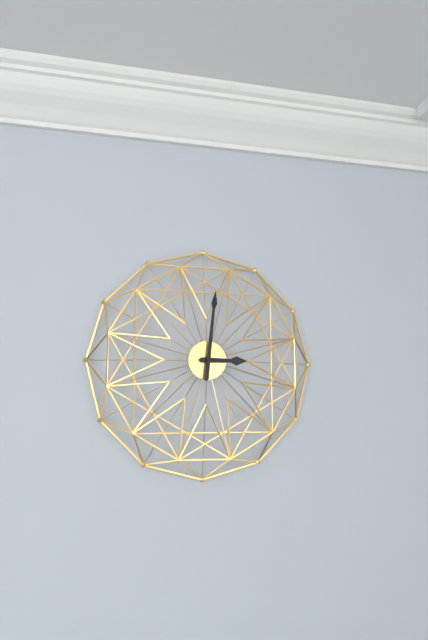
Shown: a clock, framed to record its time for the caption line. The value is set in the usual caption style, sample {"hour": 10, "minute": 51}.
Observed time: {"hour": 3, "minute": 1}
